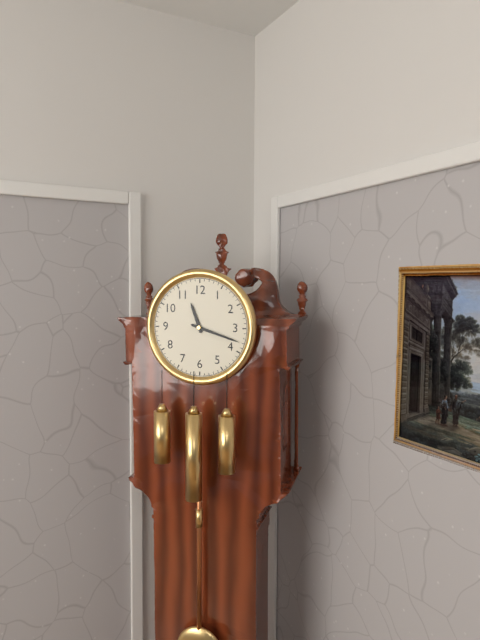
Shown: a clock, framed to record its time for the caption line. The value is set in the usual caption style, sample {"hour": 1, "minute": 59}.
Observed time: {"hour": 11, "minute": 18}
